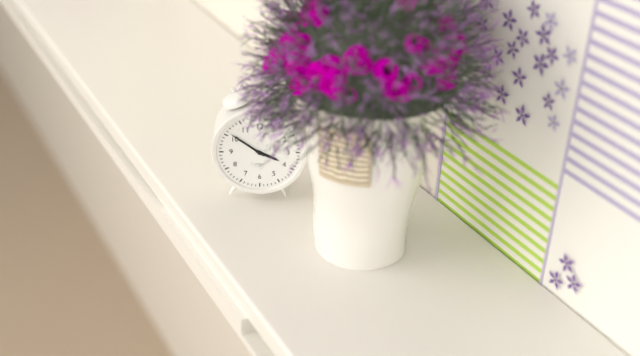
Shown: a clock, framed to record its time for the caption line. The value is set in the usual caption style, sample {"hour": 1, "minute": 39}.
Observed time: {"hour": 3, "minute": 51}
